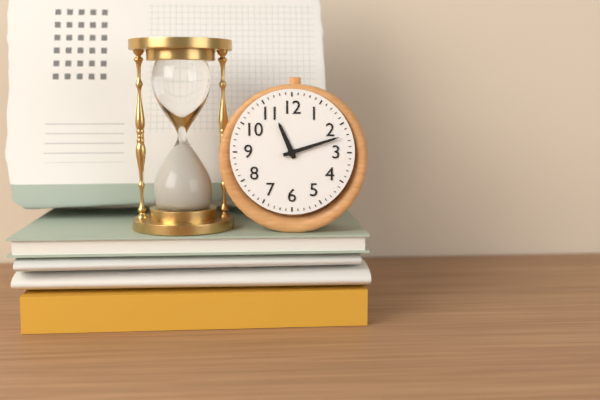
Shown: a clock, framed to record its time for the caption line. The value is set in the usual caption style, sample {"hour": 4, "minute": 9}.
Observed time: {"hour": 11, "minute": 12}
